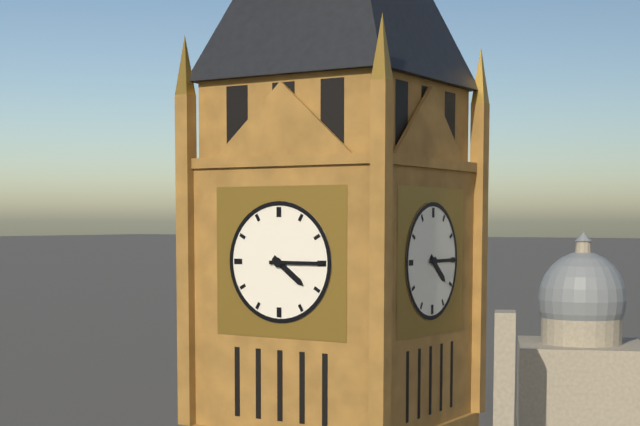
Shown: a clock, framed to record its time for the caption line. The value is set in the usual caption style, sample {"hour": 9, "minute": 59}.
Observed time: {"hour": 4, "minute": 15}
